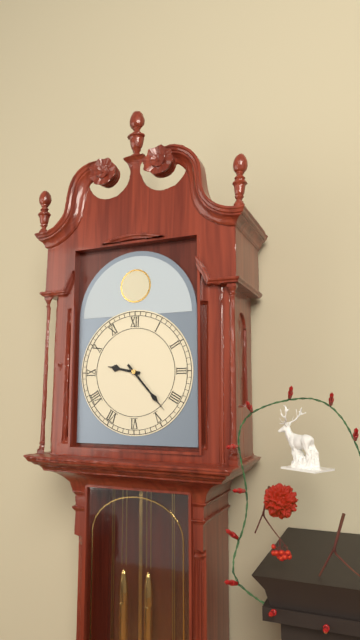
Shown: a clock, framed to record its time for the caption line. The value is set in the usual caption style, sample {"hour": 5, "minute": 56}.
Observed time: {"hour": 9, "minute": 23}
